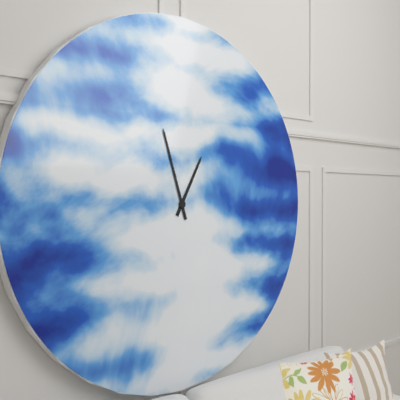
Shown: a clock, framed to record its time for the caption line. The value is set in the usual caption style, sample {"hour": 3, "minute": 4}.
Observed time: {"hour": 12, "minute": 57}
